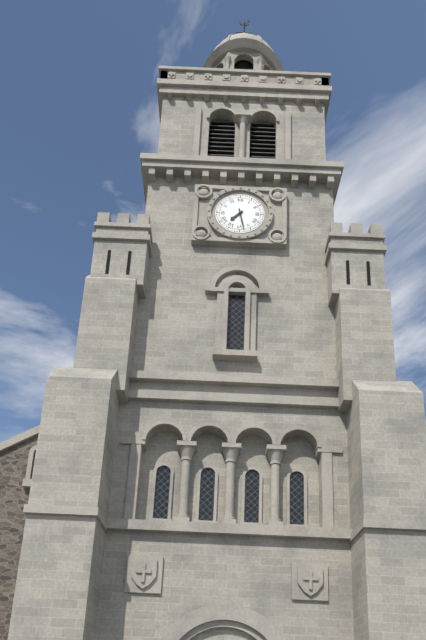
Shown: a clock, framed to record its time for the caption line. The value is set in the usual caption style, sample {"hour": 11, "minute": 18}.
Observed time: {"hour": 7, "minute": 28}
